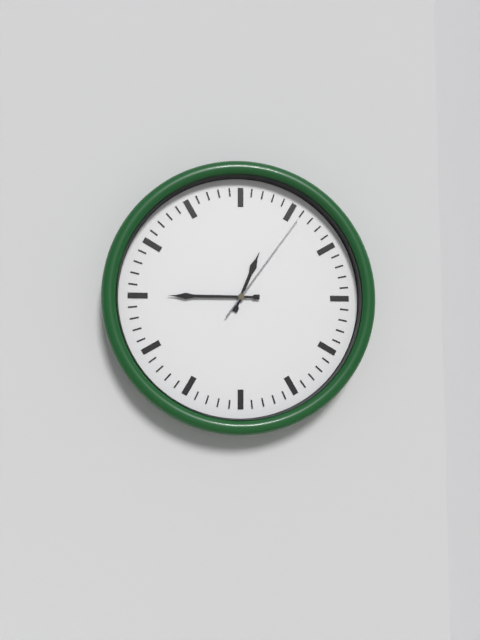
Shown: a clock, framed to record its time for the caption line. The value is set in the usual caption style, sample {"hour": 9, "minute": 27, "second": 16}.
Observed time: {"hour": 12, "minute": 45, "second": 6}
